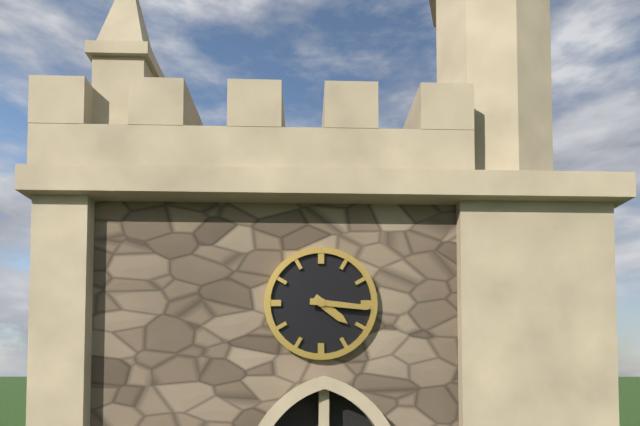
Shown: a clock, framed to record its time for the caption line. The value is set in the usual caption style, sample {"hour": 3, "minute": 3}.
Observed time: {"hour": 4, "minute": 16}
